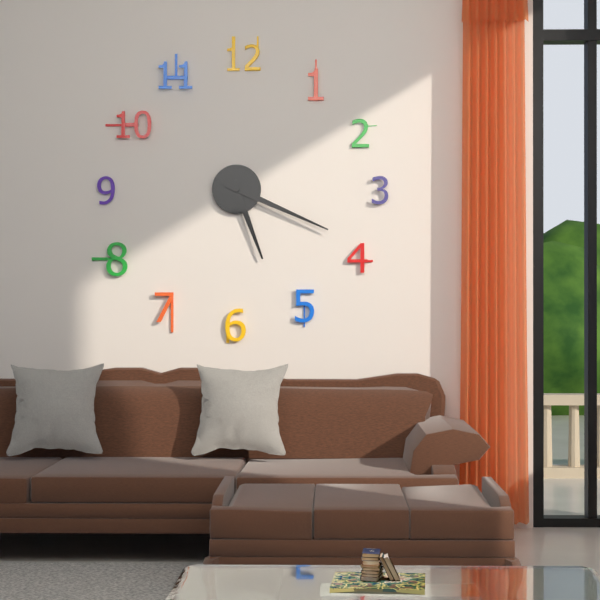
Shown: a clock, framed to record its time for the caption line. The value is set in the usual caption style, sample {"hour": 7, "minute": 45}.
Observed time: {"hour": 5, "minute": 19}
